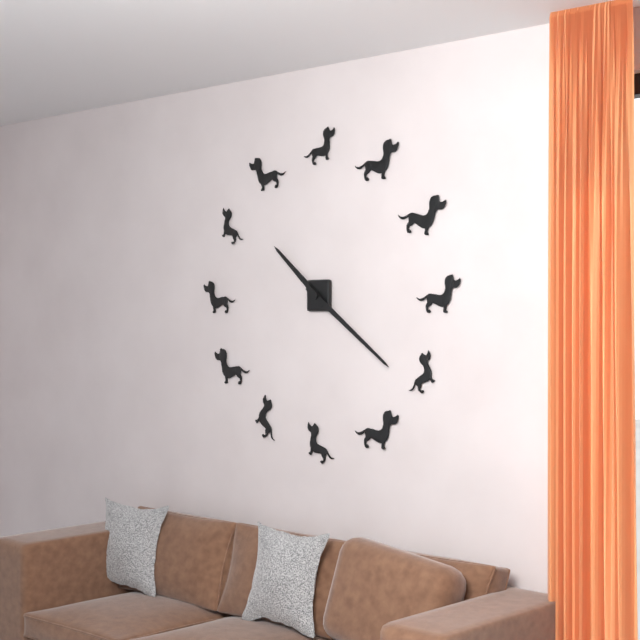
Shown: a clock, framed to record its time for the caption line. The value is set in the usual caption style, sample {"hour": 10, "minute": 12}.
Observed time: {"hour": 10, "minute": 21}
